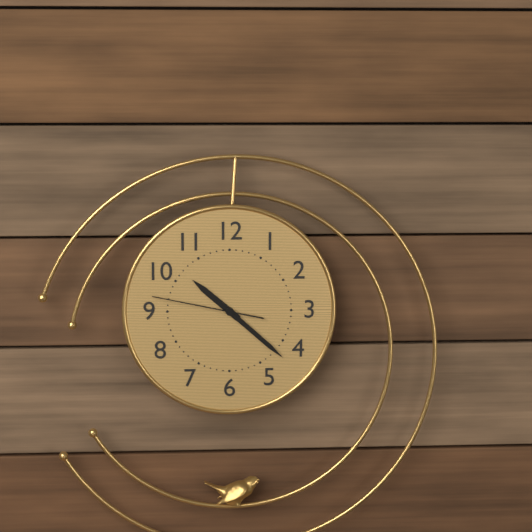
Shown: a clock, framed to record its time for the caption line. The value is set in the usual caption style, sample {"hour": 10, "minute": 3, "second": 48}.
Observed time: {"hour": 10, "minute": 22, "second": 47}
